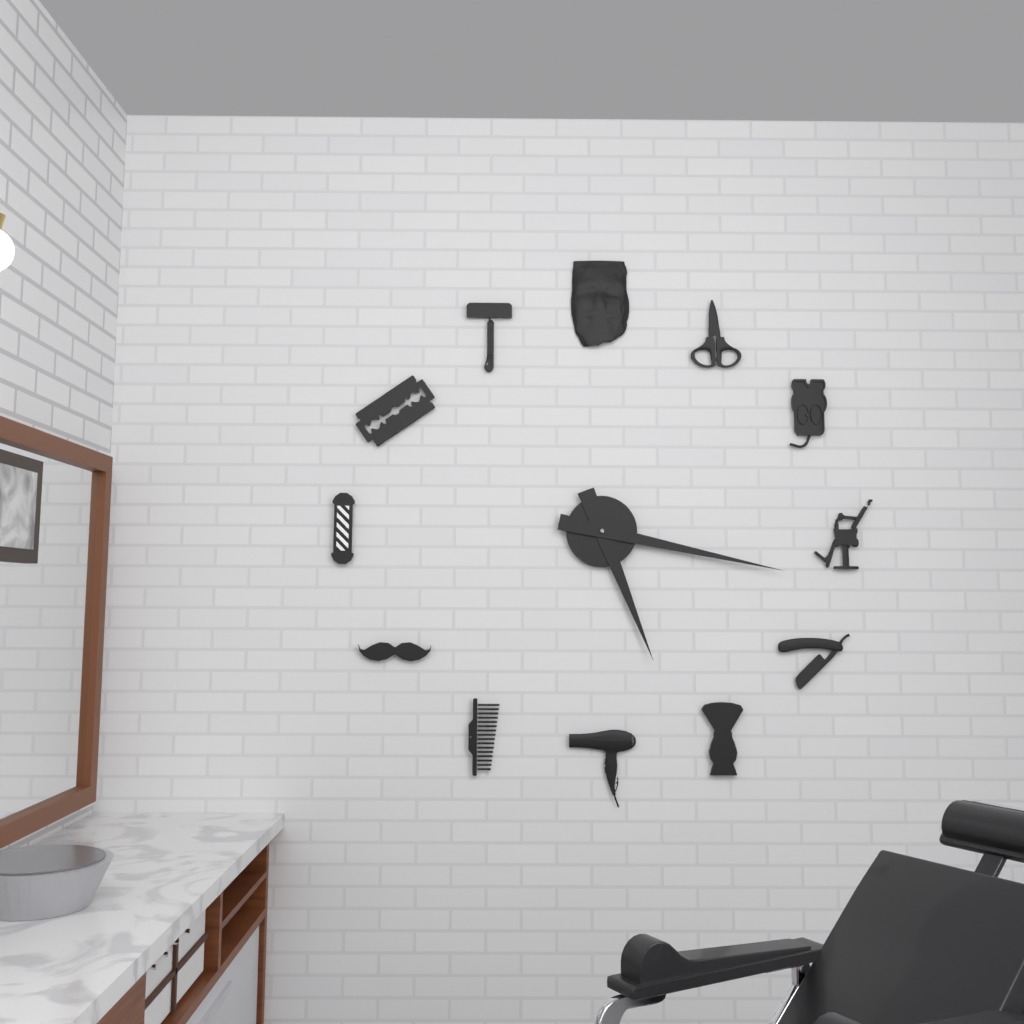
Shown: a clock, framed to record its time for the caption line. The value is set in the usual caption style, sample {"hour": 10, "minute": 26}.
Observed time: {"hour": 5, "minute": 17}
